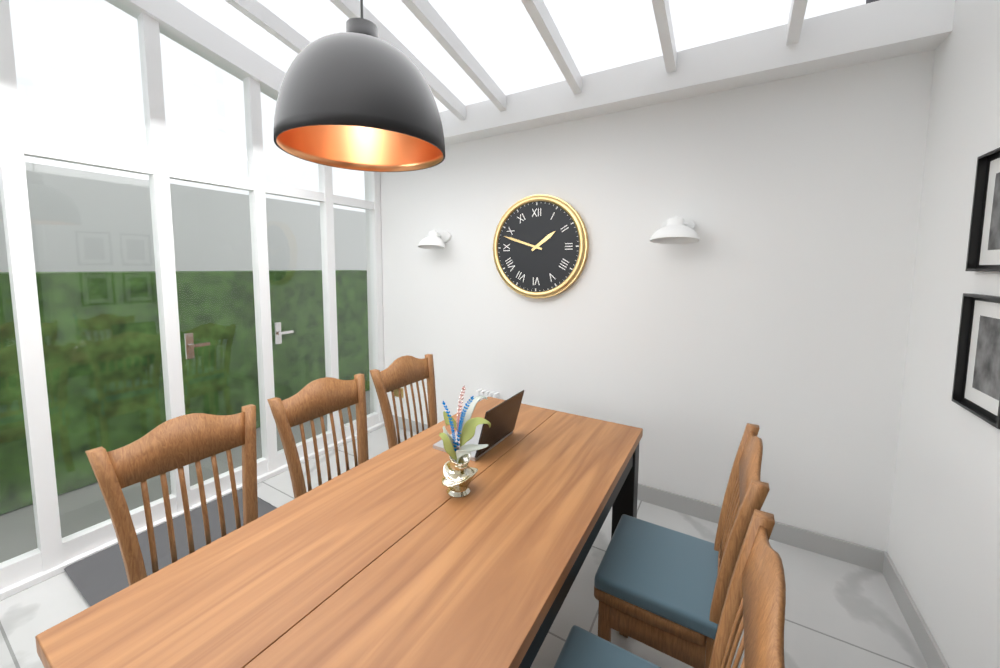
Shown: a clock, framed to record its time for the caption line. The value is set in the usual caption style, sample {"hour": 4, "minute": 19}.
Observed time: {"hour": 1, "minute": 48}
